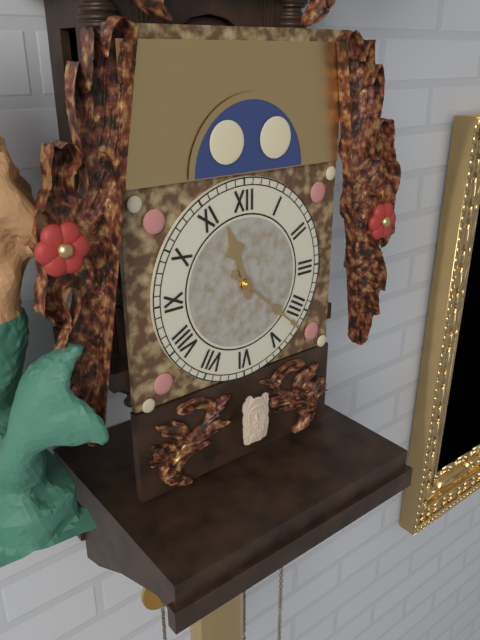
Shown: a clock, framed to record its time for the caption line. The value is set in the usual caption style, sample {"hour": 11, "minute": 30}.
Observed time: {"hour": 11, "minute": 22}
